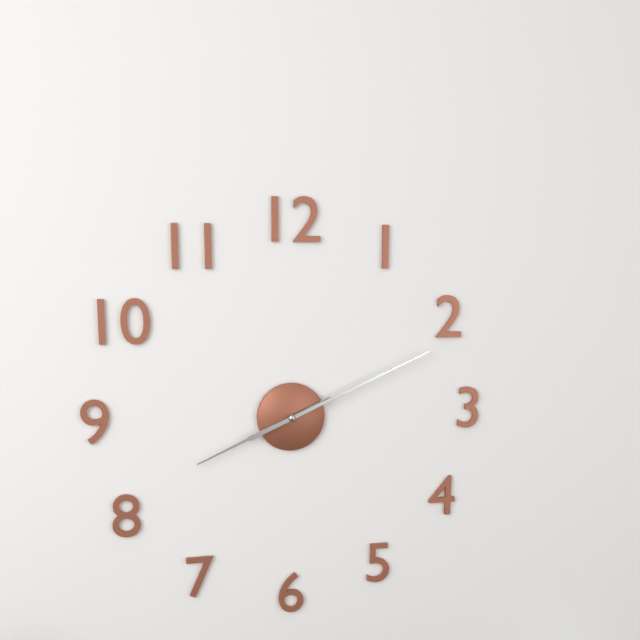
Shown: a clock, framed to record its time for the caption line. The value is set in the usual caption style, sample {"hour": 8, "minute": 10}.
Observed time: {"hour": 8, "minute": 11}
